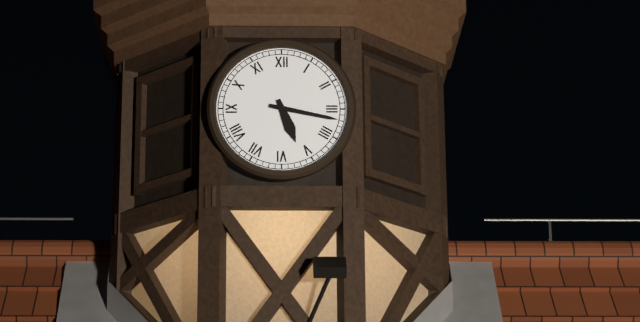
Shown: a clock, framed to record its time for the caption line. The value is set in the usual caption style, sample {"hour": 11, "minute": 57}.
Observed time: {"hour": 5, "minute": 17}
